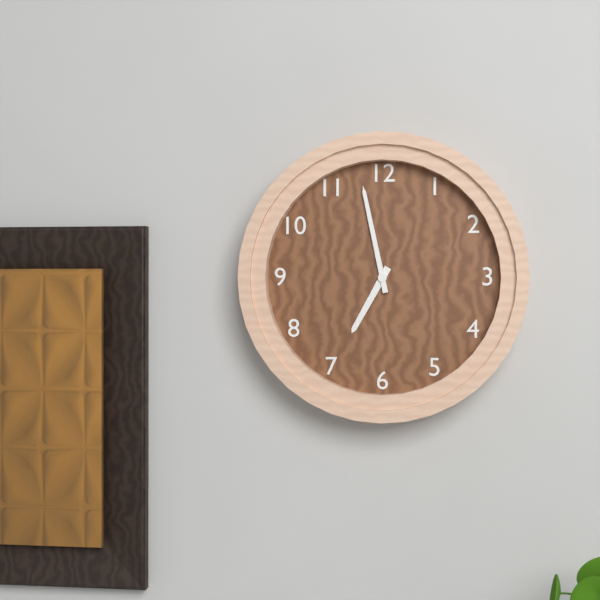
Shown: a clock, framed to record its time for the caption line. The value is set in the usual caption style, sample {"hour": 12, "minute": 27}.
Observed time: {"hour": 6, "minute": 58}
